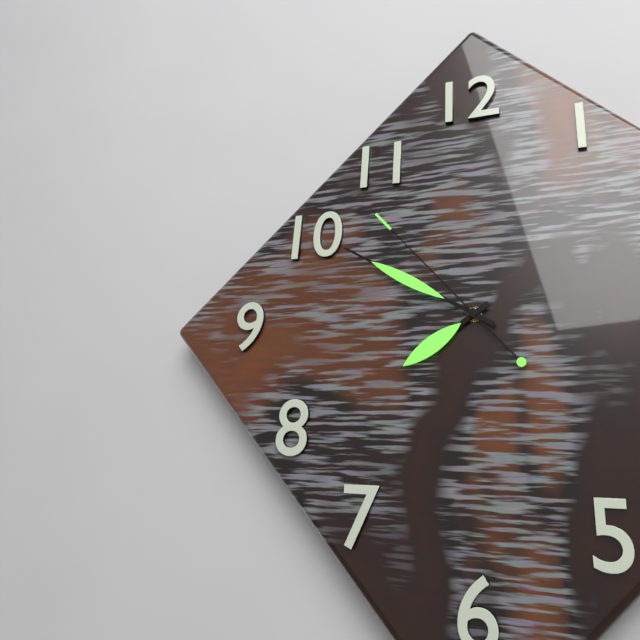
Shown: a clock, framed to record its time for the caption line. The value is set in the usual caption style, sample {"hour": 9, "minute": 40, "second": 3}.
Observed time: {"hour": 7, "minute": 50, "second": 53}
